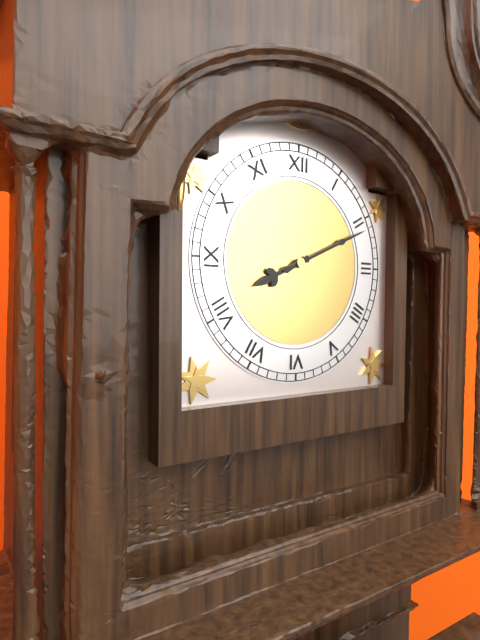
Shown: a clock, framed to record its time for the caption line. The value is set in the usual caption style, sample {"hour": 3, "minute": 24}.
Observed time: {"hour": 8, "minute": 11}
